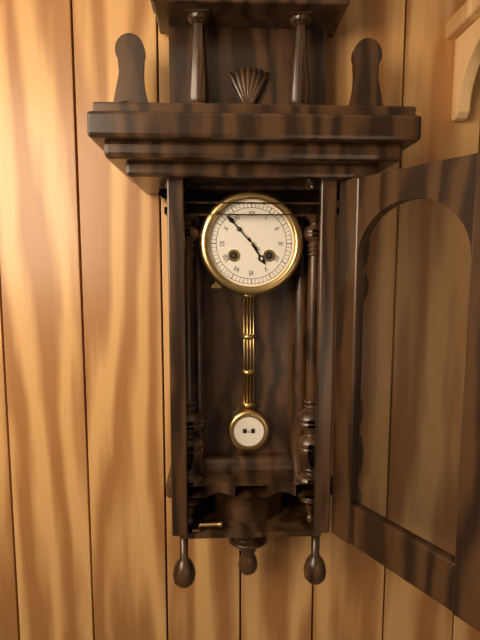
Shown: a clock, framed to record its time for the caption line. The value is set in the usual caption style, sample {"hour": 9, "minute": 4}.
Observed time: {"hour": 4, "minute": 53}
